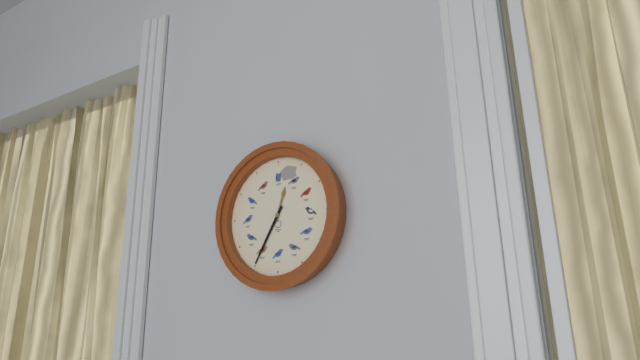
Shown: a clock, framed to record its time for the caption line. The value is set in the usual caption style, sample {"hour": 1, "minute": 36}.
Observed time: {"hour": 12, "minute": 35}
